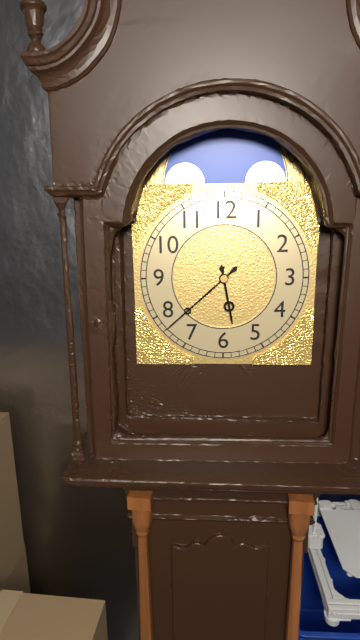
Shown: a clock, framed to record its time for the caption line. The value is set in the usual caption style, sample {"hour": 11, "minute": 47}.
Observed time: {"hour": 5, "minute": 38}
